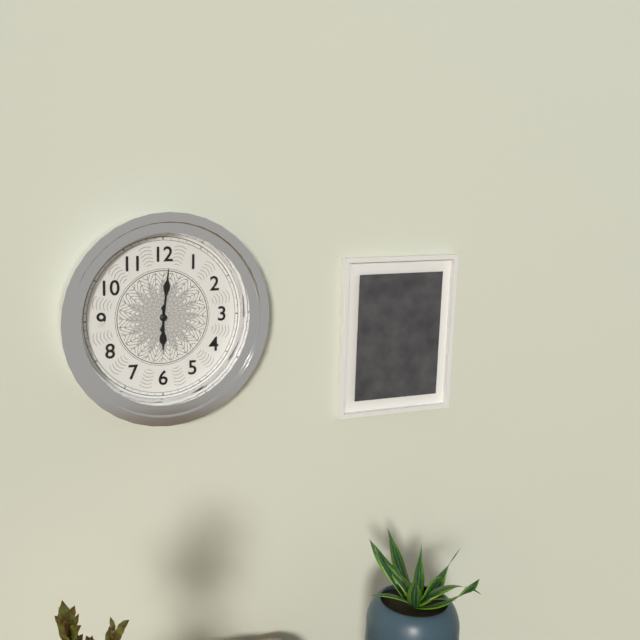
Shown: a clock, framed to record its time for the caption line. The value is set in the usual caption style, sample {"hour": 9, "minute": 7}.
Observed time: {"hour": 6, "minute": 1}
